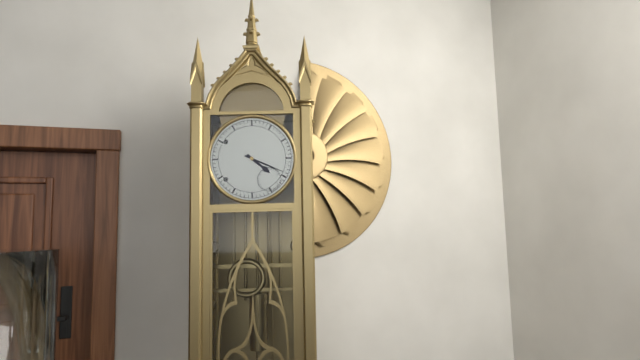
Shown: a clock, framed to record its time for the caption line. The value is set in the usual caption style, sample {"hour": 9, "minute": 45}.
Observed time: {"hour": 4, "minute": 19}
